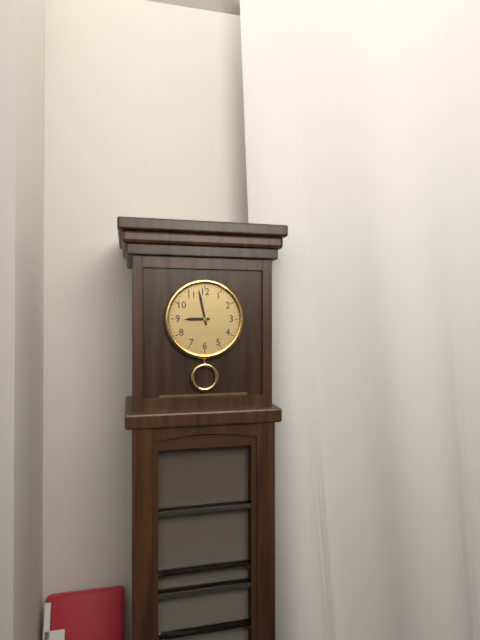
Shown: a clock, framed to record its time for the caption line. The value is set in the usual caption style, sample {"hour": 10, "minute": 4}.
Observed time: {"hour": 8, "minute": 58}
